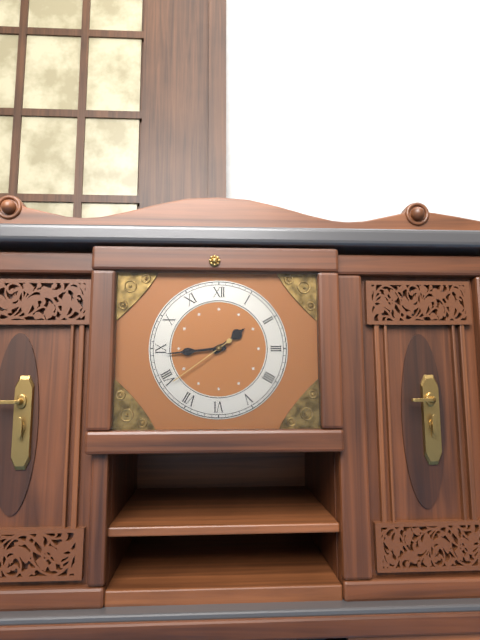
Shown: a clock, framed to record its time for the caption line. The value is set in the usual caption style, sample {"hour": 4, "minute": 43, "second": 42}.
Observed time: {"hour": 1, "minute": 44, "second": 39}
